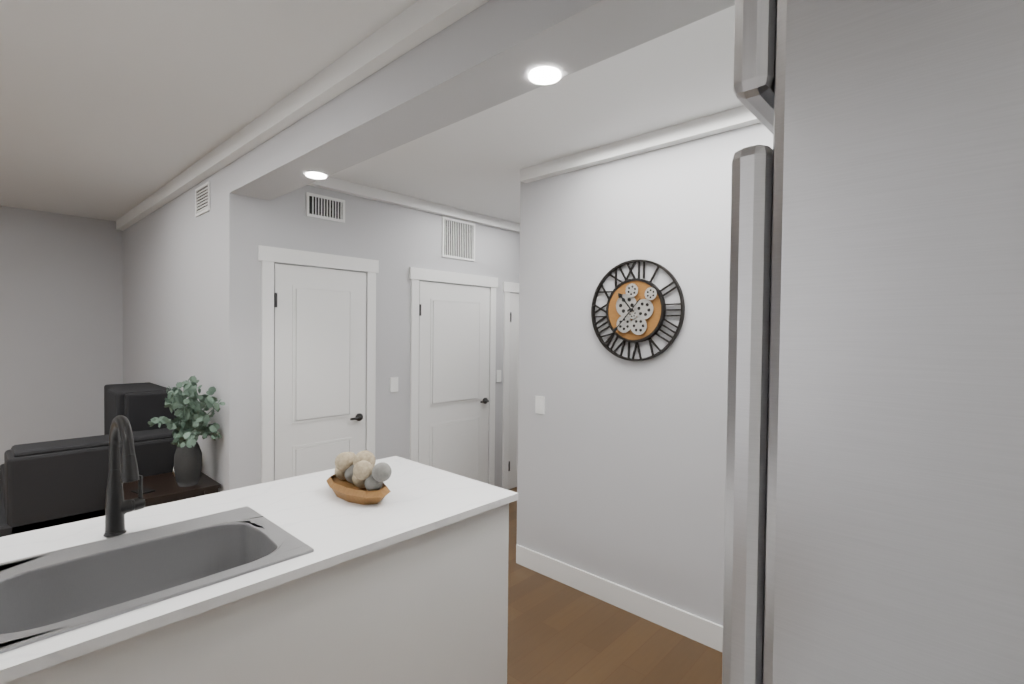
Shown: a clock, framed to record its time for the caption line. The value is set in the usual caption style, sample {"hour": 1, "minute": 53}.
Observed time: {"hour": 10, "minute": 37}
